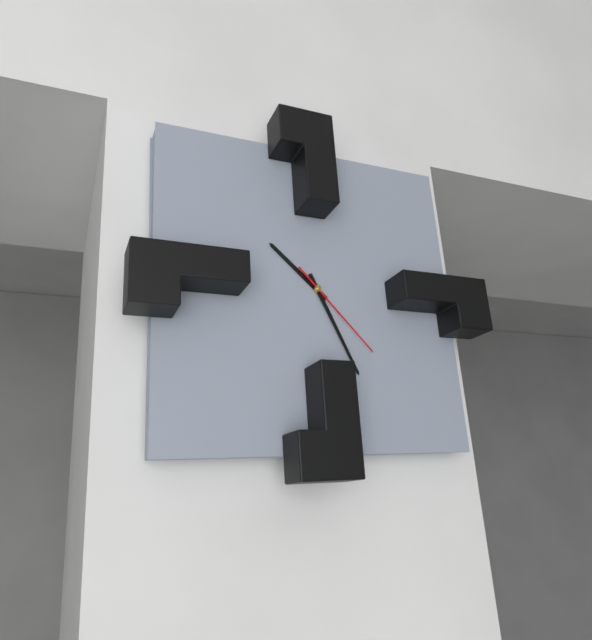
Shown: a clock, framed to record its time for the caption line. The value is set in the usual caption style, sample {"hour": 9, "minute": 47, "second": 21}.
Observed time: {"hour": 10, "minute": 26, "second": 23}
